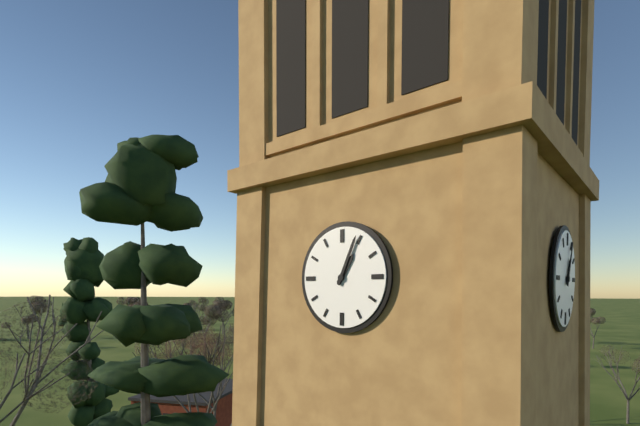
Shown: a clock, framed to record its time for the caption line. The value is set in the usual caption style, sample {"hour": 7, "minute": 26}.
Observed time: {"hour": 1, "minute": 4}
